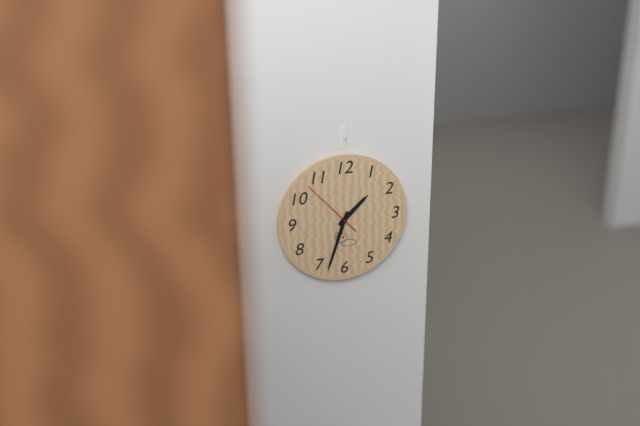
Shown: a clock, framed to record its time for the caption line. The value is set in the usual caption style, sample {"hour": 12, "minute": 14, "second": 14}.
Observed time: {"hour": 1, "minute": 33, "second": 53}
